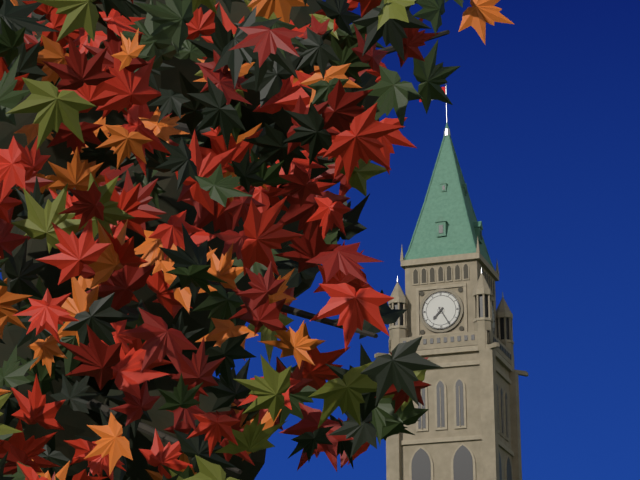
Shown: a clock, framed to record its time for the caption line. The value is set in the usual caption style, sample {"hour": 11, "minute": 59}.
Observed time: {"hour": 7, "minute": 25}
